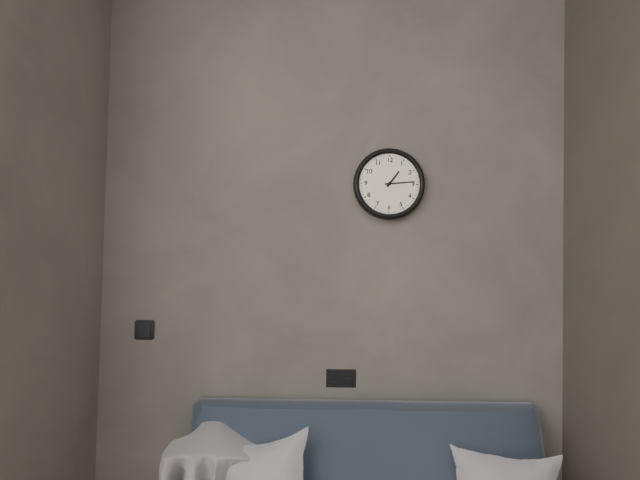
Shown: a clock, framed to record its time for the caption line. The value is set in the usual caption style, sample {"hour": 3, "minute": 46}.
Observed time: {"hour": 1, "minute": 14}
